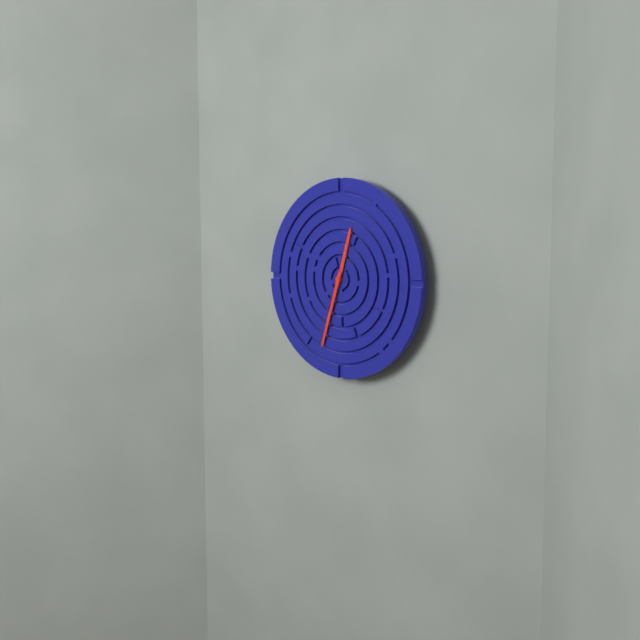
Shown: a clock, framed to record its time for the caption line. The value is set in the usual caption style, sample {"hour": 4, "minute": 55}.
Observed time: {"hour": 12, "minute": 33}
